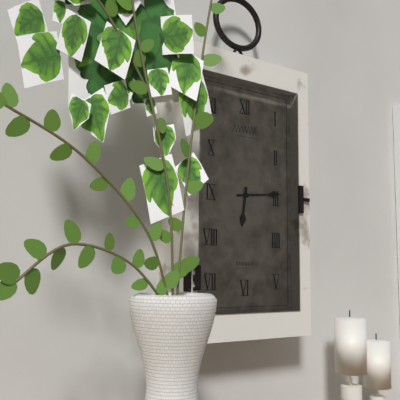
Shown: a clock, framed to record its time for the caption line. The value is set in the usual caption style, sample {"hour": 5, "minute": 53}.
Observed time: {"hour": 6, "minute": 14}
